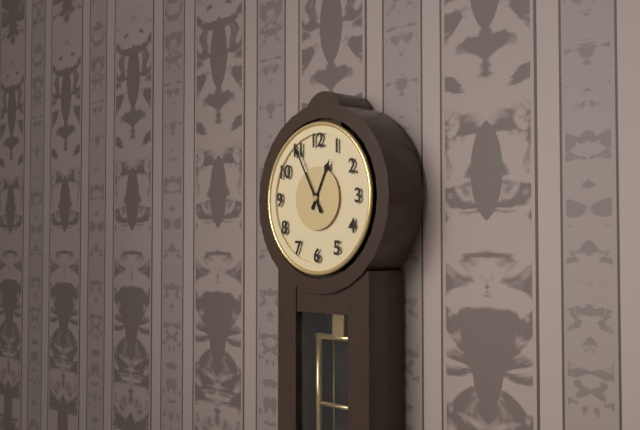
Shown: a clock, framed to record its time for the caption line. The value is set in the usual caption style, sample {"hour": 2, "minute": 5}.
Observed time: {"hour": 12, "minute": 55}
